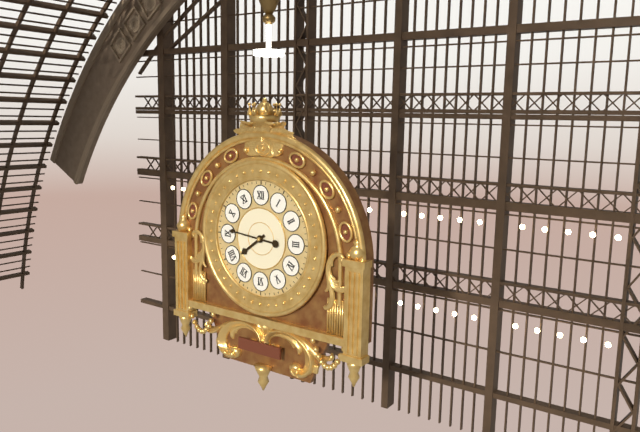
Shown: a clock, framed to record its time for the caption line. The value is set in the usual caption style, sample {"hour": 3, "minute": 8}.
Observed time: {"hour": 7, "minute": 46}
